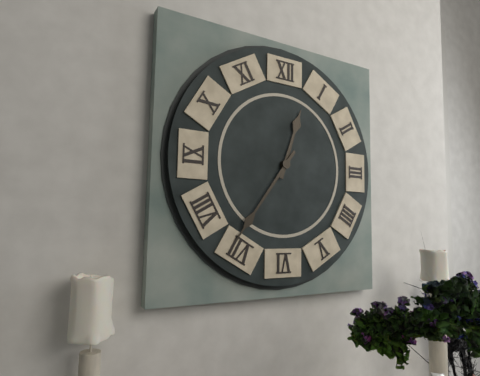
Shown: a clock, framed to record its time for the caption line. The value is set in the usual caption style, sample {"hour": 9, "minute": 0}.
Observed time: {"hour": 12, "minute": 36}
